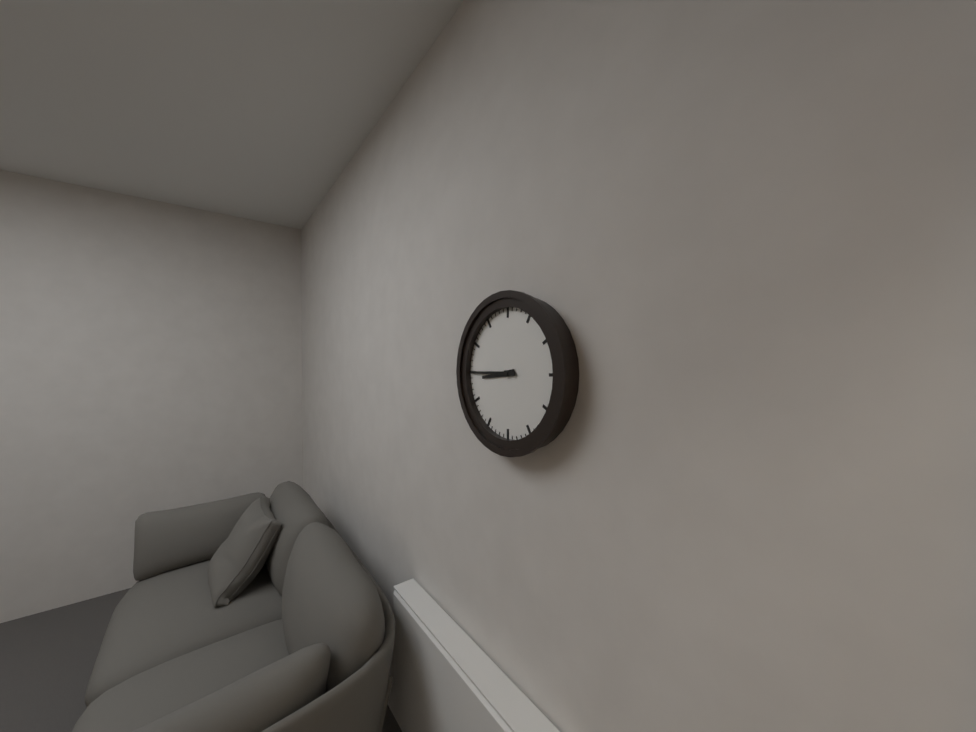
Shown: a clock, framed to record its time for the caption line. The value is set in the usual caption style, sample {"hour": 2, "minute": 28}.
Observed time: {"hour": 8, "minute": 45}
